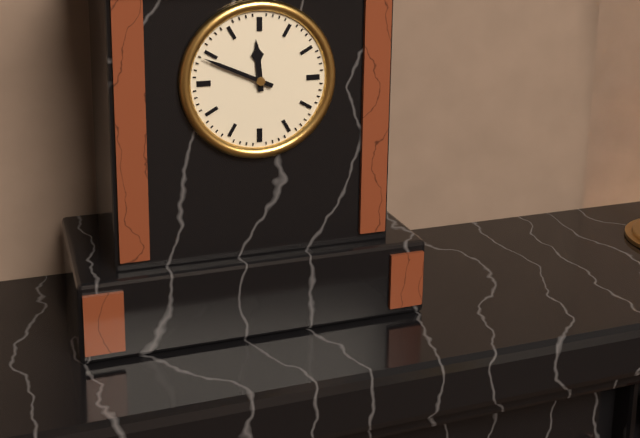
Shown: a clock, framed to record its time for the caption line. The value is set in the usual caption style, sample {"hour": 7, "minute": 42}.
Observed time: {"hour": 11, "minute": 49}
